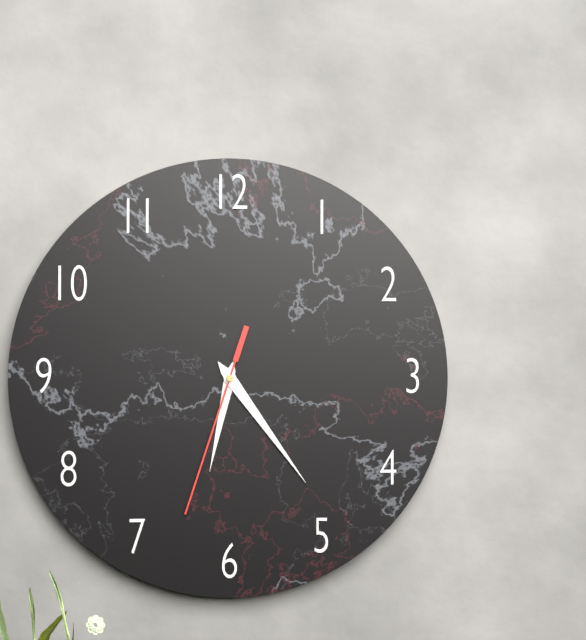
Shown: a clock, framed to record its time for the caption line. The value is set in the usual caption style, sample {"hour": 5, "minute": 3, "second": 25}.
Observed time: {"hour": 6, "minute": 24, "second": 33}
